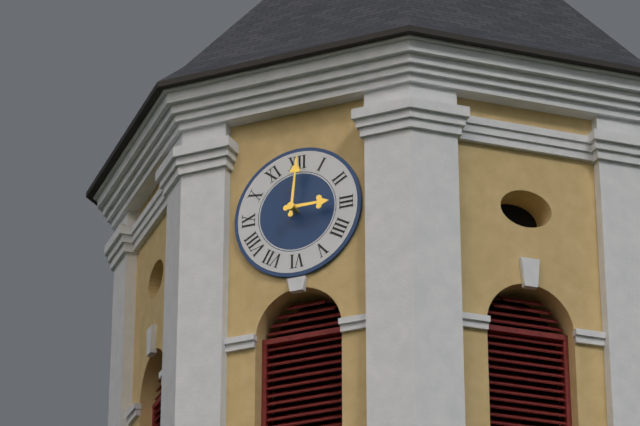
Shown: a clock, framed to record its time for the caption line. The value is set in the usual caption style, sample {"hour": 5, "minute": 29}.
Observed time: {"hour": 3, "minute": 1}
